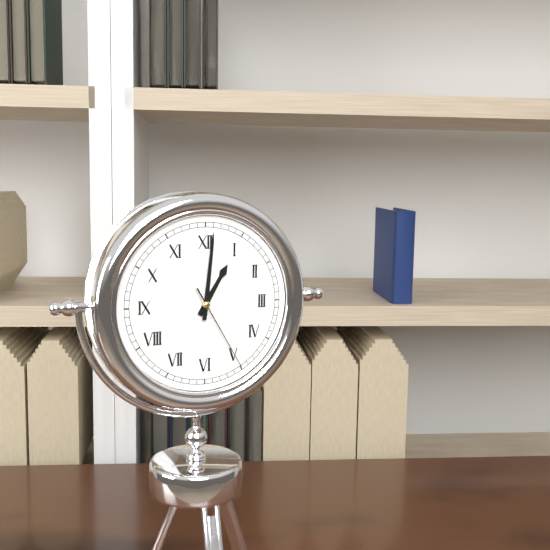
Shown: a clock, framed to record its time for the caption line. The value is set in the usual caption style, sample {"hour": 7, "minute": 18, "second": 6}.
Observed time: {"hour": 1, "minute": 1, "second": 25}
